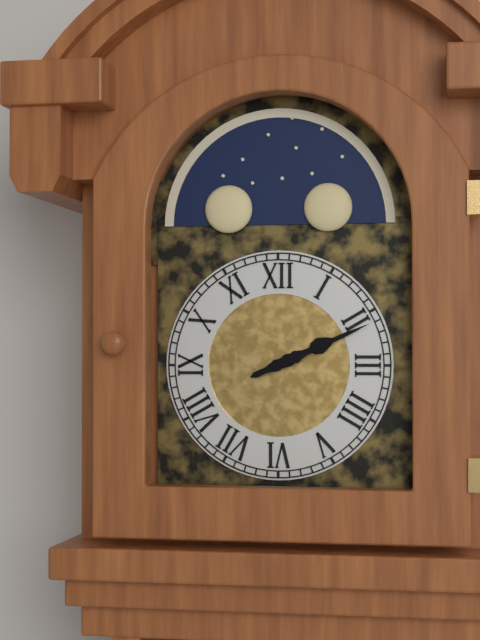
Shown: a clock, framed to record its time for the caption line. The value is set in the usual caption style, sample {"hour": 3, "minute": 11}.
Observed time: {"hour": 2, "minute": 11}
